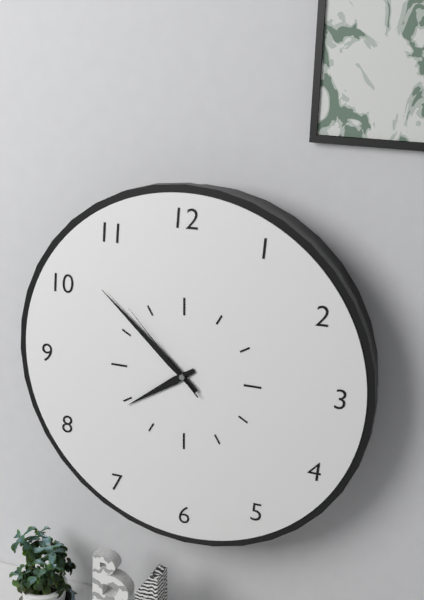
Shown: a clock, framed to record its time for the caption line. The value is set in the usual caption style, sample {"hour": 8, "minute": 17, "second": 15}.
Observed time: {"hour": 7, "minute": 52, "second": 53}
